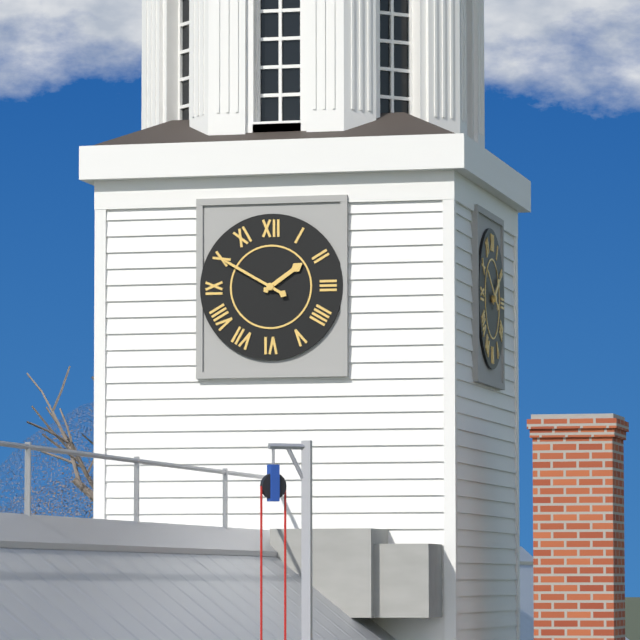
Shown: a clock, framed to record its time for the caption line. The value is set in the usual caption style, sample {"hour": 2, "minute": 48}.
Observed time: {"hour": 1, "minute": 50}
